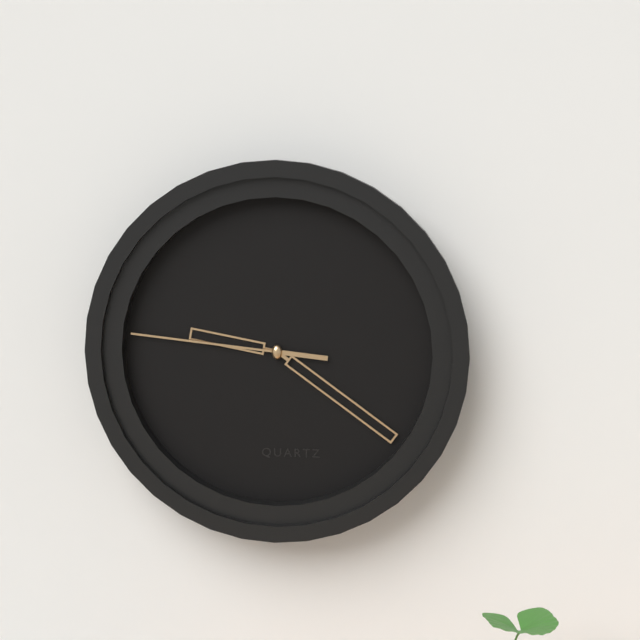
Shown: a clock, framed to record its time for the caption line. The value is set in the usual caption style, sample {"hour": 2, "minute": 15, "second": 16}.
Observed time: {"hour": 9, "minute": 21, "second": 46}
